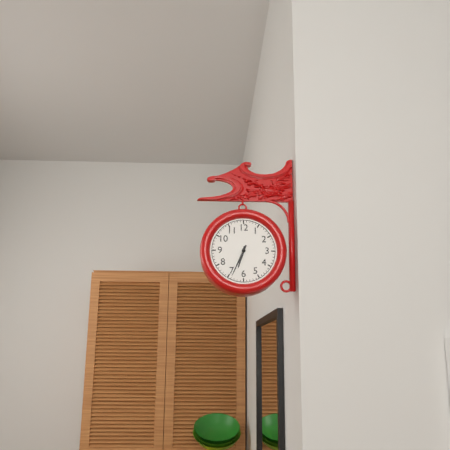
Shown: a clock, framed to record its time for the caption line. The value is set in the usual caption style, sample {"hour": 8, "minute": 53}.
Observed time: {"hour": 6, "minute": 34}
